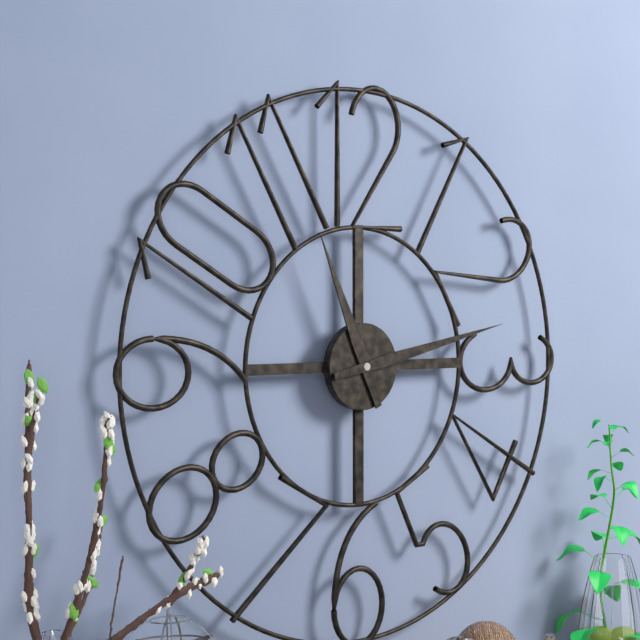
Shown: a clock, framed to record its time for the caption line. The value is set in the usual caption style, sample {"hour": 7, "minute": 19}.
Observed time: {"hour": 11, "minute": 13}
